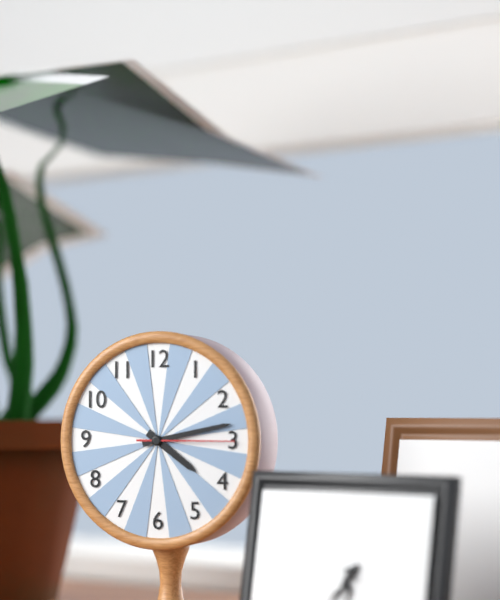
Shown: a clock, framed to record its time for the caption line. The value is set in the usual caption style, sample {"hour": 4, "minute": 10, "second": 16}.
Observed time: {"hour": 4, "minute": 13, "second": 15}
